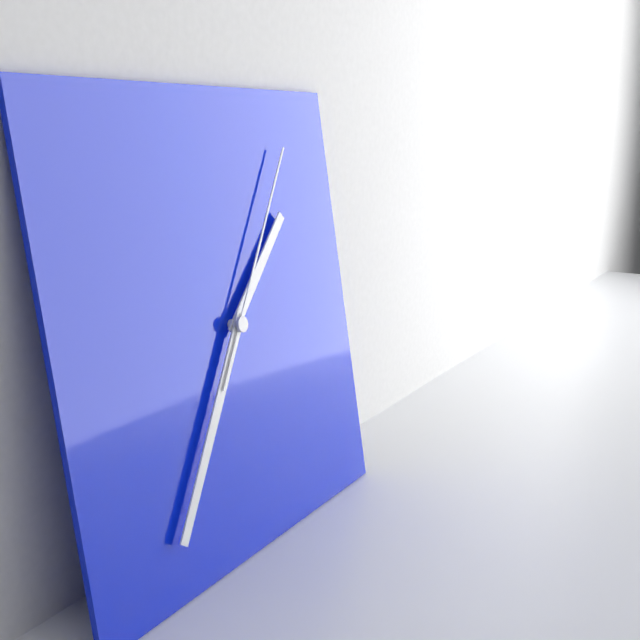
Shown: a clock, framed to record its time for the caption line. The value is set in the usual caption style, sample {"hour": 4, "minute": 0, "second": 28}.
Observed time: {"hour": 1, "minute": 36, "second": 6}
